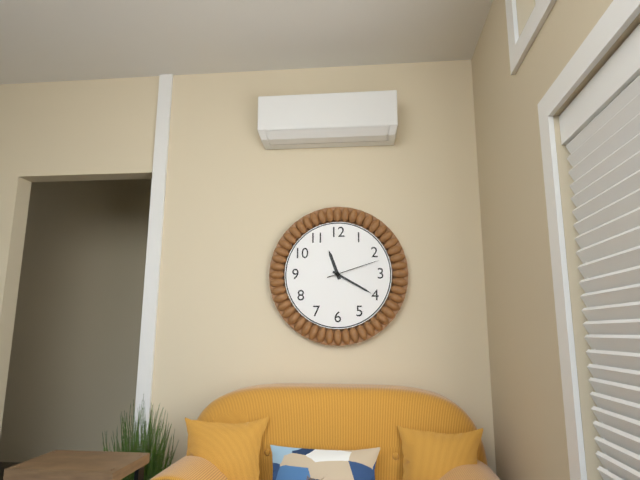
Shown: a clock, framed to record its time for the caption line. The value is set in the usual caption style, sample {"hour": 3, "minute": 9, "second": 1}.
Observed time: {"hour": 11, "minute": 20, "second": 12}
